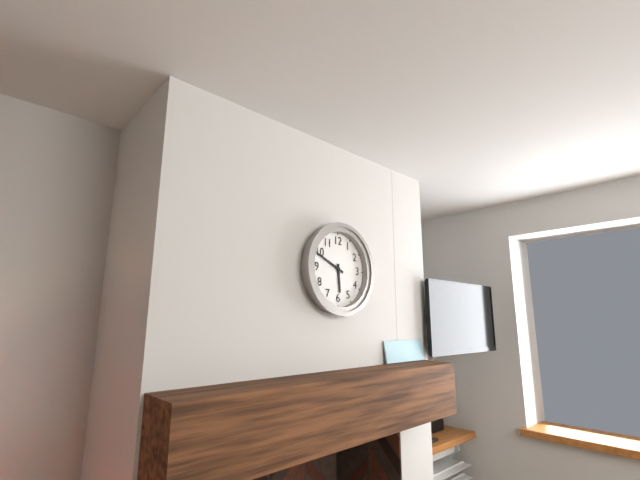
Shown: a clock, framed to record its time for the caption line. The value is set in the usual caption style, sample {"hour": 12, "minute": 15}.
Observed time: {"hour": 5, "minute": 49}
